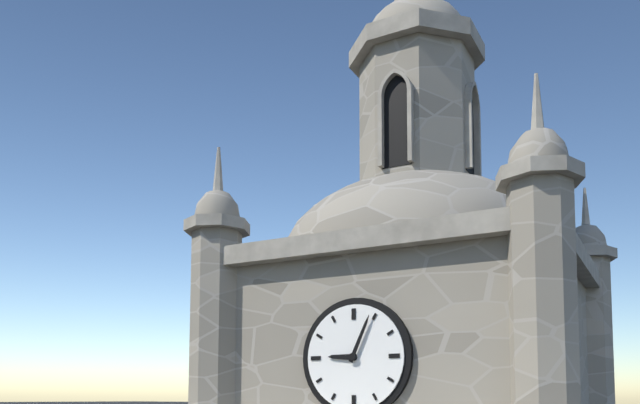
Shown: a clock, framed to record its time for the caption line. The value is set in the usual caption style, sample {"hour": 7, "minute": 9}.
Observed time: {"hour": 9, "minute": 4}
